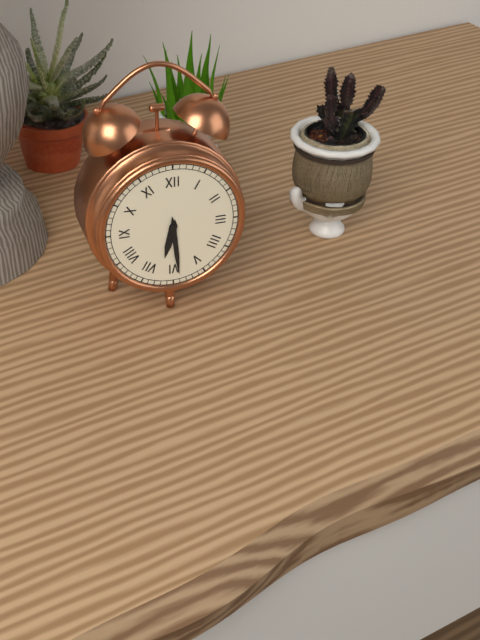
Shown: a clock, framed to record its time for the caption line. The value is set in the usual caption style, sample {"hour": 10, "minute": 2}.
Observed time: {"hour": 6, "minute": 29}
